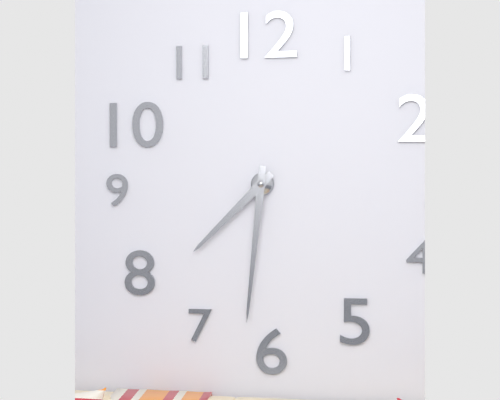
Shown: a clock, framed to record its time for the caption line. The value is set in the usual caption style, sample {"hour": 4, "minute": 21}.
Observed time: {"hour": 7, "minute": 31}
